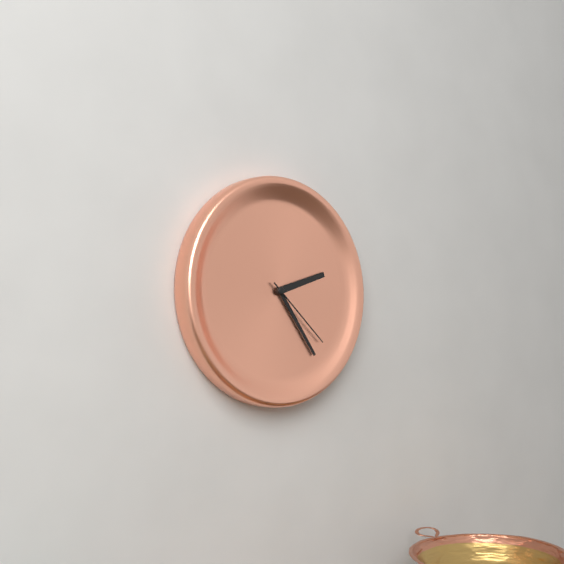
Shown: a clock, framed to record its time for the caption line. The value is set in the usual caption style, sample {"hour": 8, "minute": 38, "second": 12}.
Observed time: {"hour": 2, "minute": 24, "second": 22}
